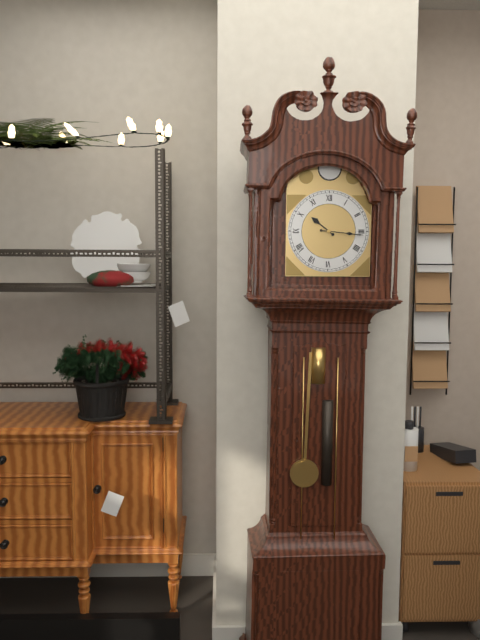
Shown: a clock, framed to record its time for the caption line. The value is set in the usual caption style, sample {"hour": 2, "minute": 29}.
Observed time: {"hour": 10, "minute": 16}
